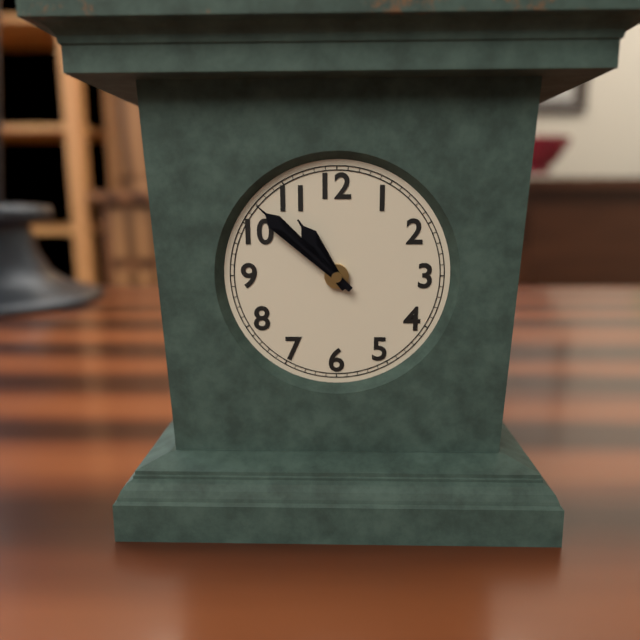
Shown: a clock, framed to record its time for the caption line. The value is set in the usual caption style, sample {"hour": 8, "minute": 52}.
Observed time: {"hour": 10, "minute": 52}
